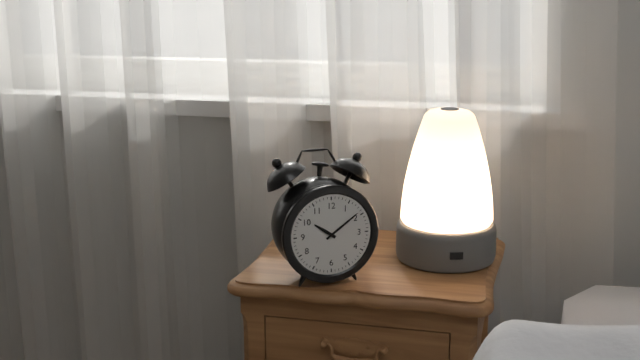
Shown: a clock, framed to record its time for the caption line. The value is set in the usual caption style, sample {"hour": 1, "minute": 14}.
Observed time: {"hour": 10, "minute": 9}
